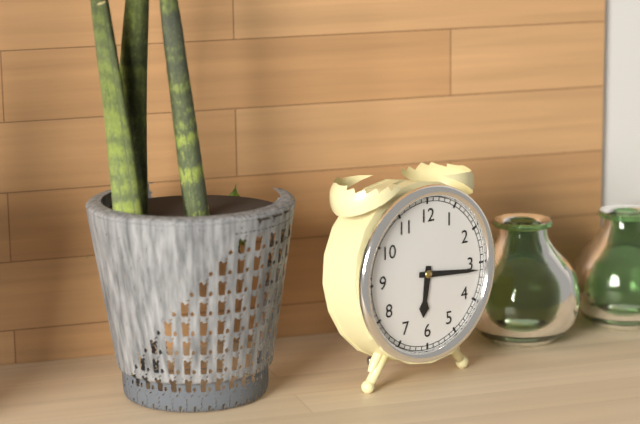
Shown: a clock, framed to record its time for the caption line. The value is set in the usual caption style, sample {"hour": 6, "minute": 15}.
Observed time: {"hour": 6, "minute": 16}
